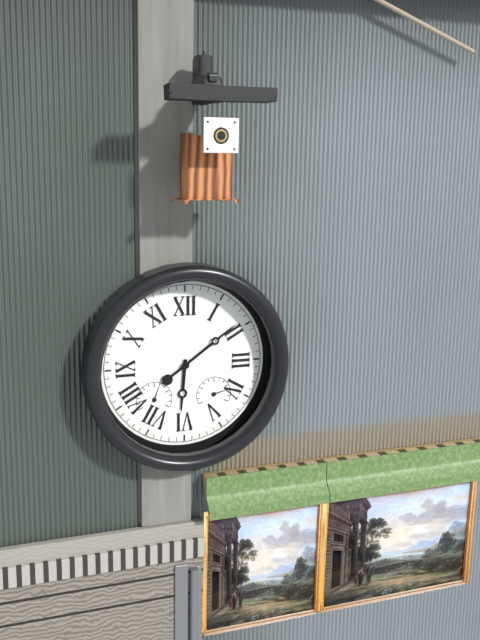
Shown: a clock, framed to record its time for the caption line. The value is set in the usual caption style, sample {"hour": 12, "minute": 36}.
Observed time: {"hour": 6, "minute": 9}
